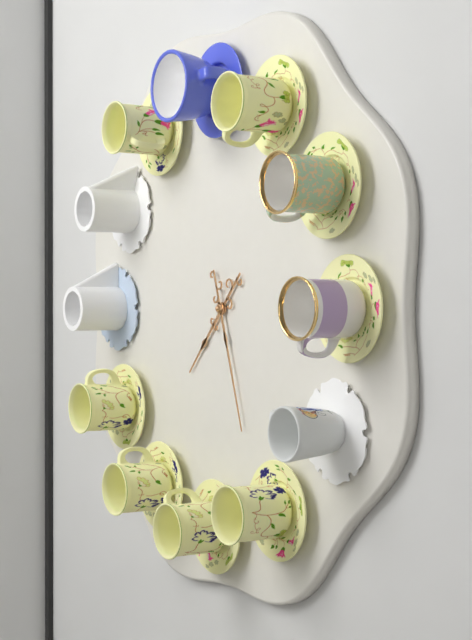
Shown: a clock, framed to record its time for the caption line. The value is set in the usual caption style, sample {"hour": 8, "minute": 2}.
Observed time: {"hour": 7, "minute": 27}
